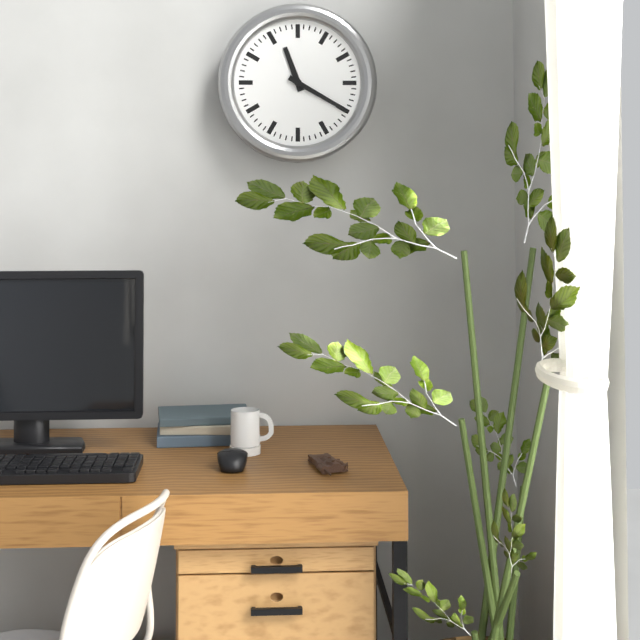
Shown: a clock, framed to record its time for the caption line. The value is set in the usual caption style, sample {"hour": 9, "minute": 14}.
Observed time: {"hour": 11, "minute": 20}
